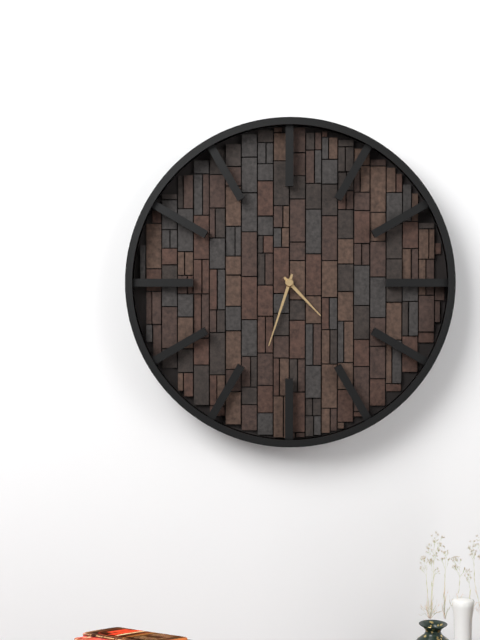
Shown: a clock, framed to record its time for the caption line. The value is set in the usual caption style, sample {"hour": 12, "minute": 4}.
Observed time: {"hour": 4, "minute": 33}
